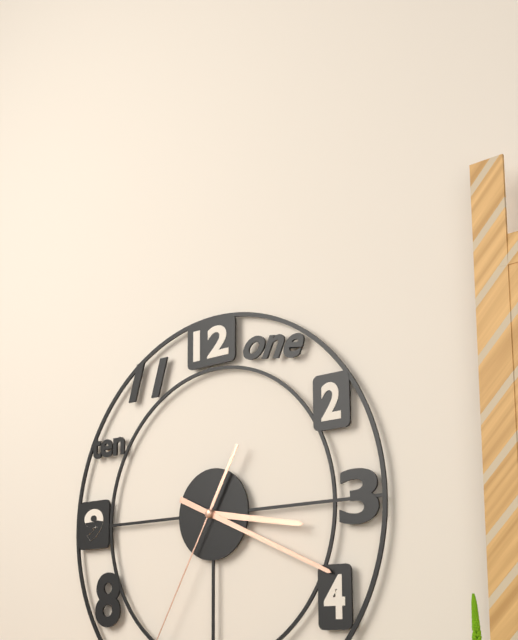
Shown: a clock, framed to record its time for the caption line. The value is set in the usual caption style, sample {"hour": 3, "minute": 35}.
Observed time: {"hour": 3, "minute": 19}
